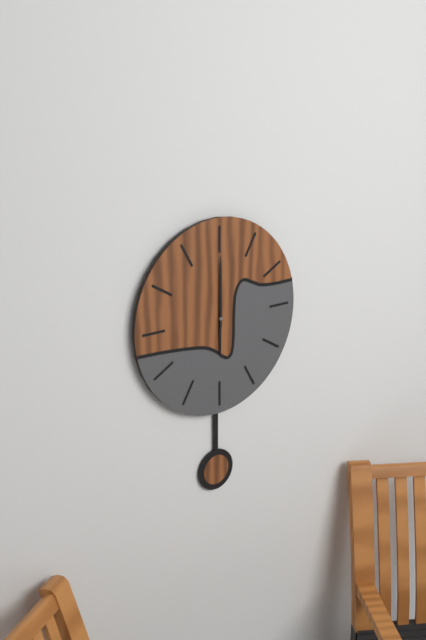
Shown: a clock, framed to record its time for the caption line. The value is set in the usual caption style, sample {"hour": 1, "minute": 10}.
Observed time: {"hour": 6, "minute": 0}
